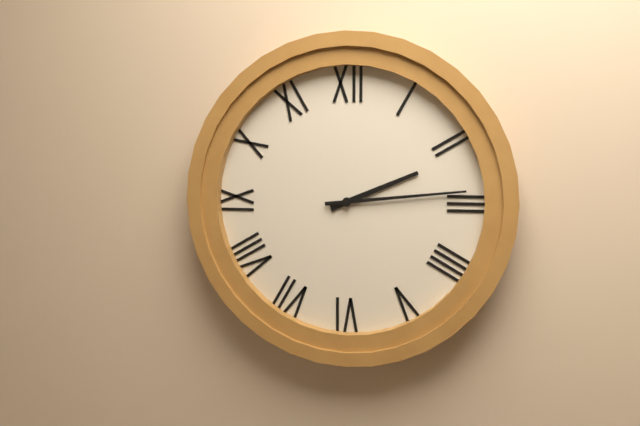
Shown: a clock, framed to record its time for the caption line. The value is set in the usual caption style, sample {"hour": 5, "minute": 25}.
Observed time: {"hour": 2, "minute": 14}
